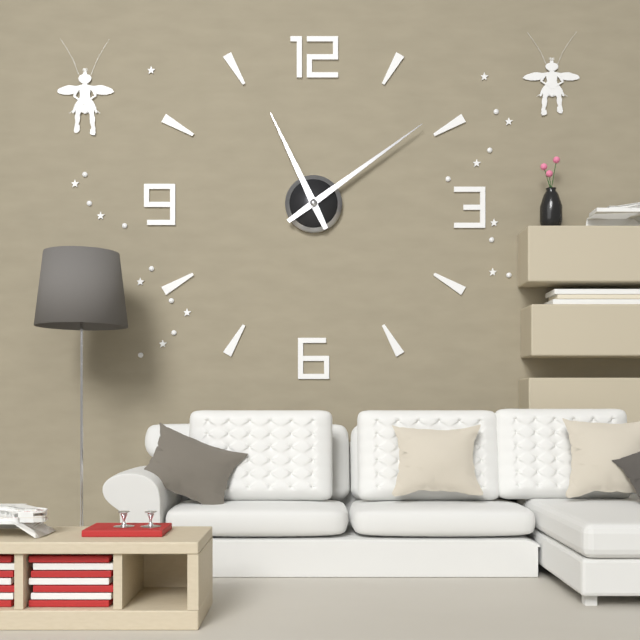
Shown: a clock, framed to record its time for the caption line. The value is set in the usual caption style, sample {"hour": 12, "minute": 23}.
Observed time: {"hour": 11, "minute": 9}
